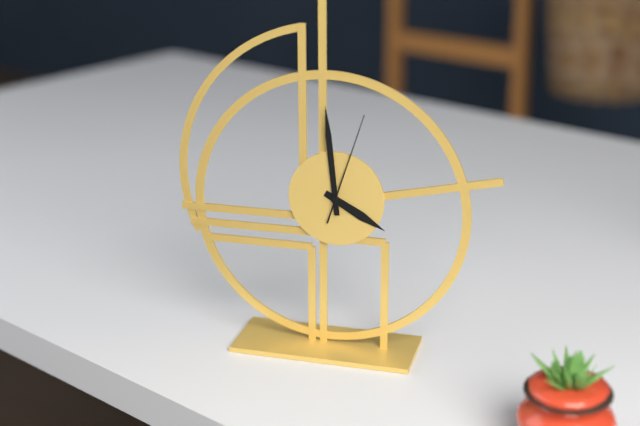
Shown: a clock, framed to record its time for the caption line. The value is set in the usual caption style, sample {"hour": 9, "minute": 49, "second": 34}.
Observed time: {"hour": 3, "minute": 59, "second": 3}
